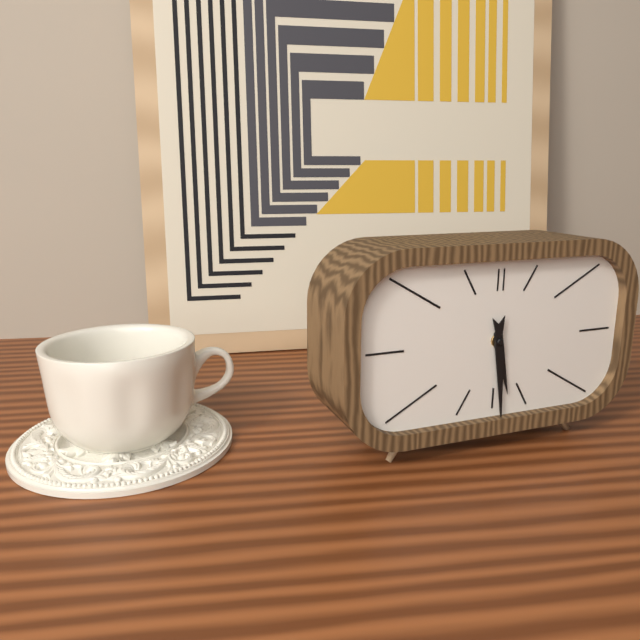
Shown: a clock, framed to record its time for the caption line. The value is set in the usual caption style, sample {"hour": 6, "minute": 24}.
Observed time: {"hour": 5, "minute": 29}
